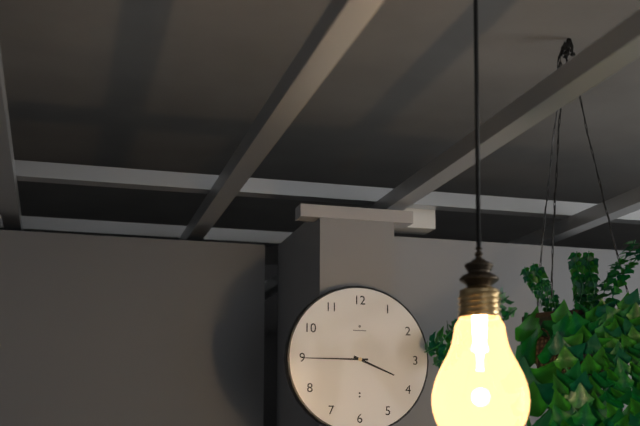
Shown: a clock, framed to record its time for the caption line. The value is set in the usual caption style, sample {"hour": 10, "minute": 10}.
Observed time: {"hour": 3, "minute": 45}
